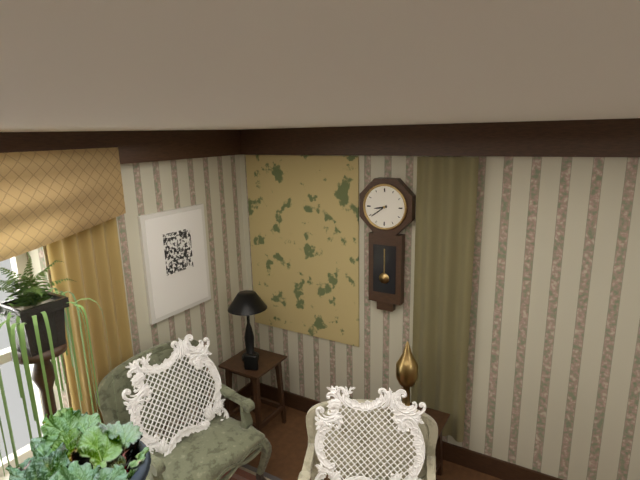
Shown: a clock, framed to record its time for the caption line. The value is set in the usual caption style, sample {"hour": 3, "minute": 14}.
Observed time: {"hour": 8, "minute": 39}
